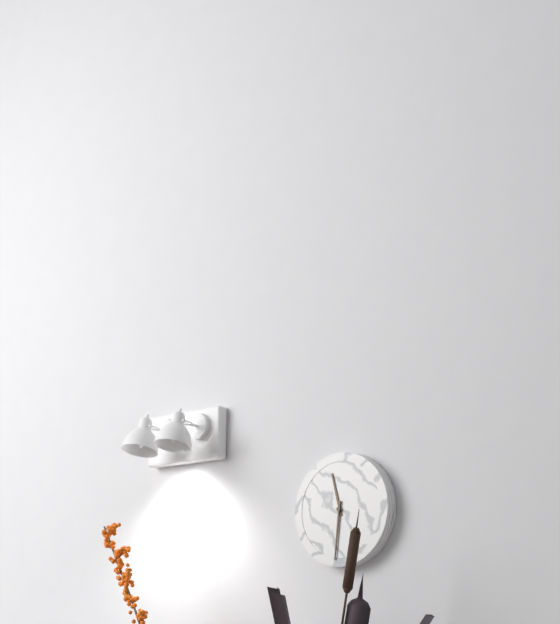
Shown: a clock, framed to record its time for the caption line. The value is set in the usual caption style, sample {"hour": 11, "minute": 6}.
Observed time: {"hour": 11, "minute": 31}
